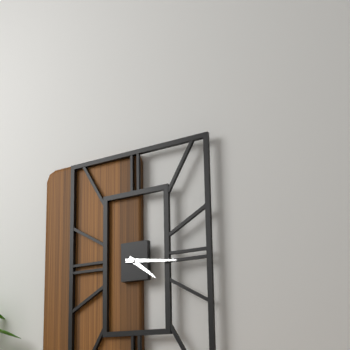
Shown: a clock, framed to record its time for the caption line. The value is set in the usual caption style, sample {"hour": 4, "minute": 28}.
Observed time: {"hour": 4, "minute": 16}
